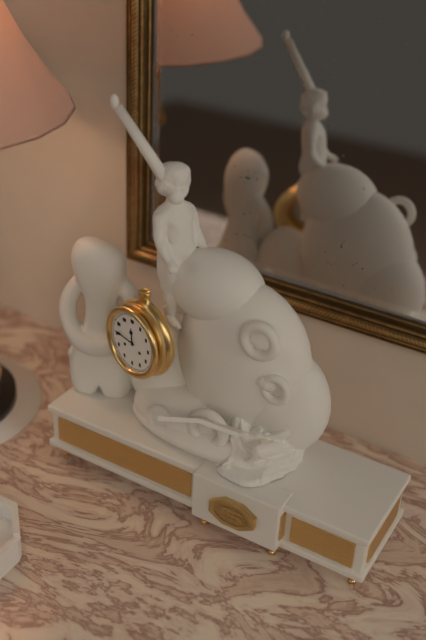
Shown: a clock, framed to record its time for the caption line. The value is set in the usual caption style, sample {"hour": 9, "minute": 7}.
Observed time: {"hour": 11, "minute": 46}
